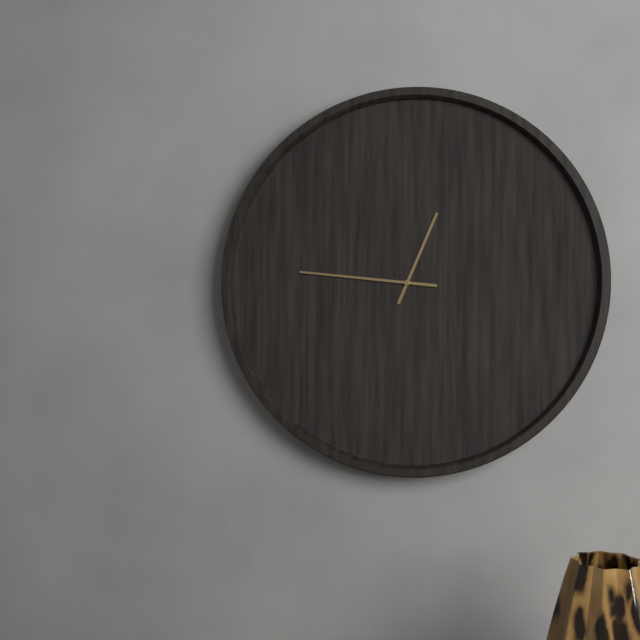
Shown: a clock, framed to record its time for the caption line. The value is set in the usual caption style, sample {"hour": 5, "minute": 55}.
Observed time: {"hour": 12, "minute": 46}
